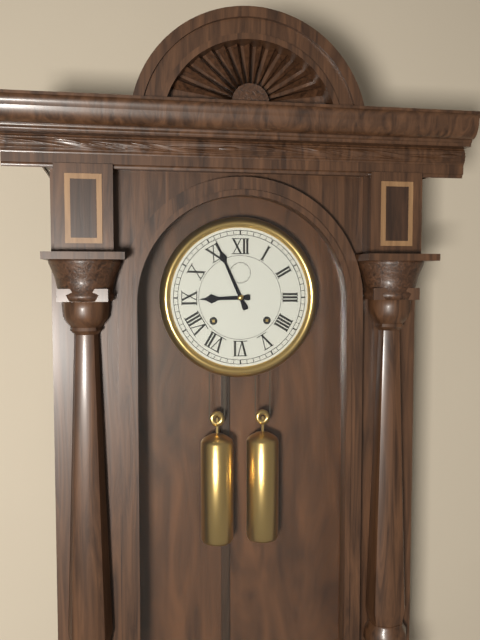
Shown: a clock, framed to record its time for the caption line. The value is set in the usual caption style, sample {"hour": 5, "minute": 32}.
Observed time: {"hour": 8, "minute": 56}
